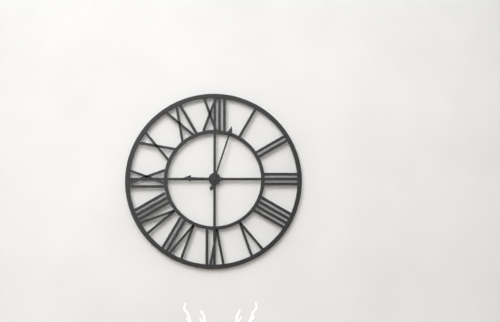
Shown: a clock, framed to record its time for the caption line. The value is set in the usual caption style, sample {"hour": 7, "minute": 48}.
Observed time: {"hour": 9, "minute": 3}
